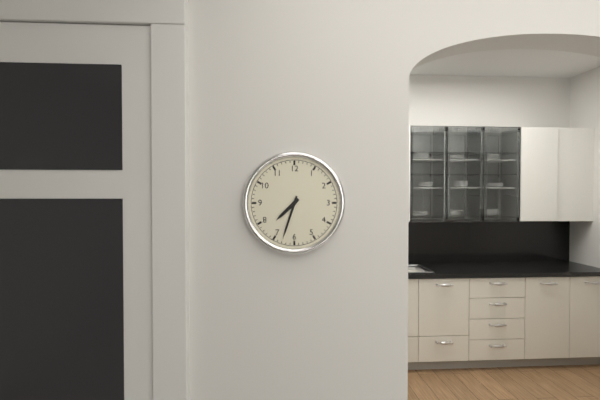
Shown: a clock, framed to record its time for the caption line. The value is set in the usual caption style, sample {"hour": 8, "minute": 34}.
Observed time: {"hour": 7, "minute": 33}
